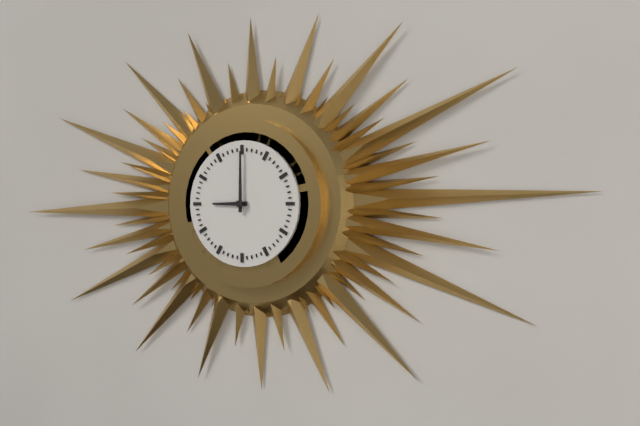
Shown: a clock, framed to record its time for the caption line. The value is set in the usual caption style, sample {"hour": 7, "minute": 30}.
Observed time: {"hour": 9, "minute": 0}
